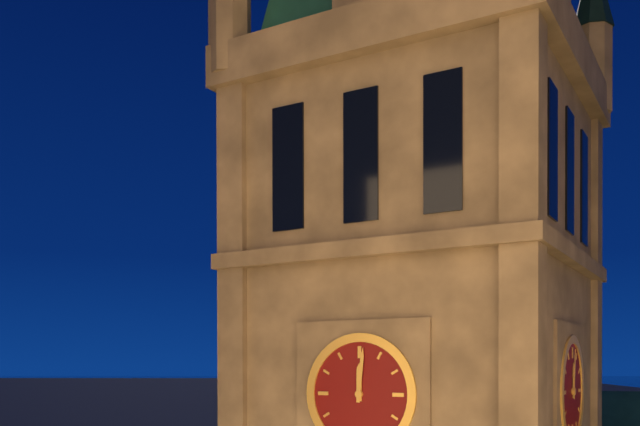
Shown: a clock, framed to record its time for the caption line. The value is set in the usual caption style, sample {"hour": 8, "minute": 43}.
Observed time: {"hour": 12, "minute": 1}
